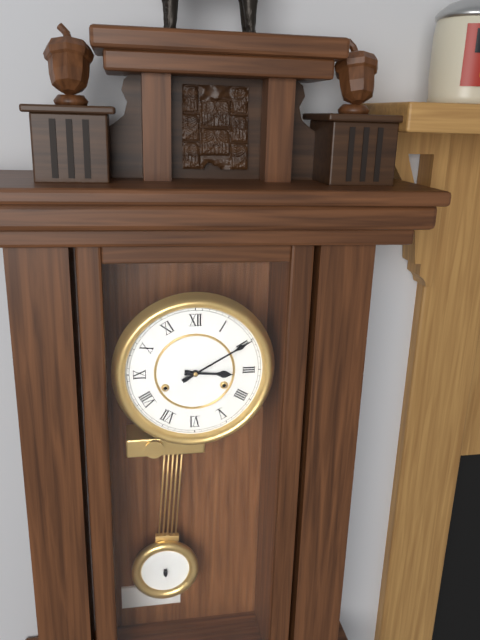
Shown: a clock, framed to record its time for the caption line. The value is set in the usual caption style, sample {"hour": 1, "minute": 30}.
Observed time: {"hour": 3, "minute": 10}
